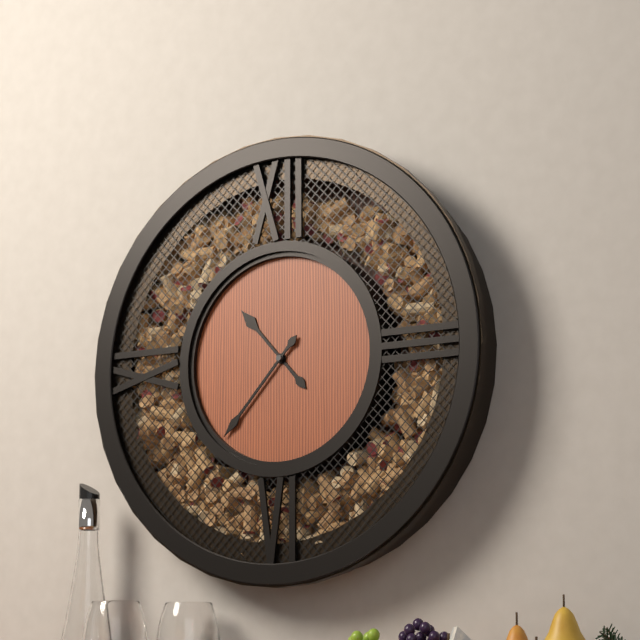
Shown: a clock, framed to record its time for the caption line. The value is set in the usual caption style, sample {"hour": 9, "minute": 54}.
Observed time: {"hour": 10, "minute": 37}
